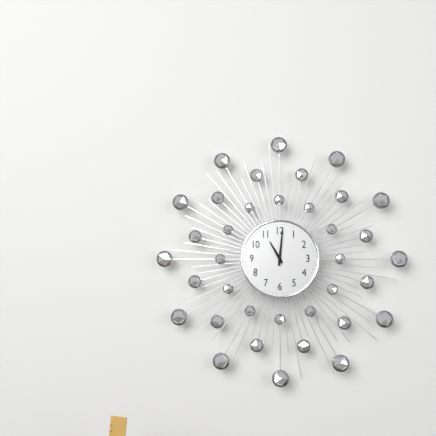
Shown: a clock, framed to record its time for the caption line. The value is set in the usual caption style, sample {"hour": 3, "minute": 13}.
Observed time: {"hour": 11, "minute": 1}
